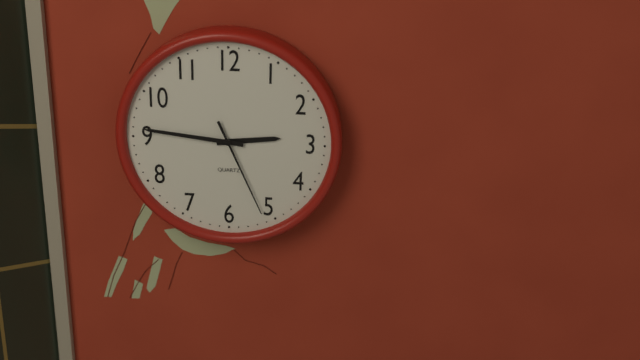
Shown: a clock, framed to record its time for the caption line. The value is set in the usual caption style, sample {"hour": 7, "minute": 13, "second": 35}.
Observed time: {"hour": 2, "minute": 46, "second": 26}
